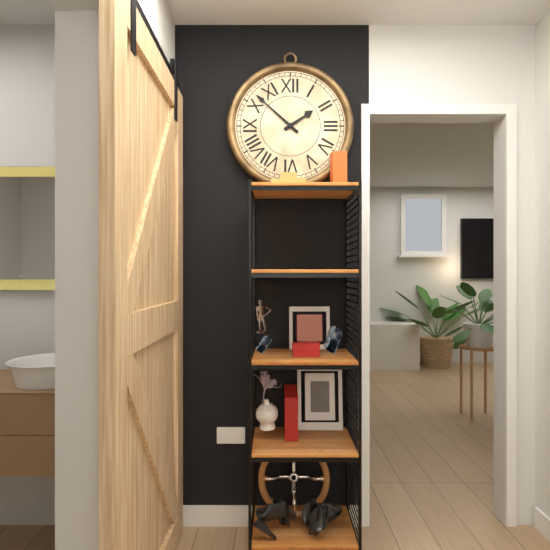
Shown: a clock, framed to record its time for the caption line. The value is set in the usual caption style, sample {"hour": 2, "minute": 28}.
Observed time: {"hour": 1, "minute": 52}
